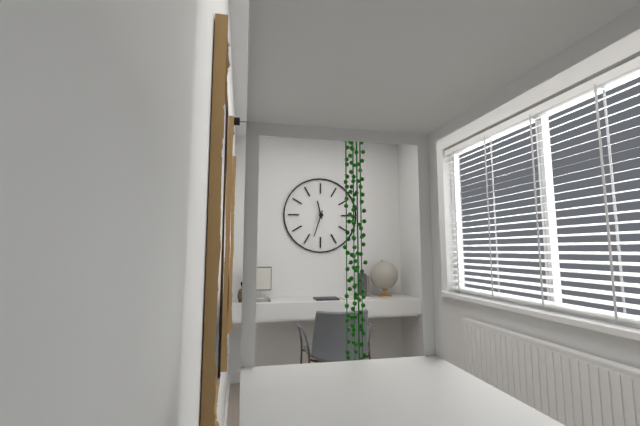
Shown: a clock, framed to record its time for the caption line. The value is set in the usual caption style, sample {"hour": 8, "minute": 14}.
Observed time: {"hour": 11, "minute": 33}
